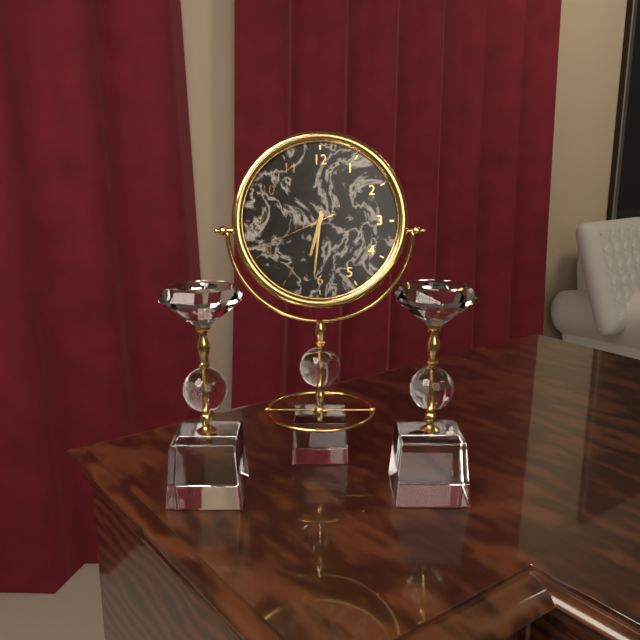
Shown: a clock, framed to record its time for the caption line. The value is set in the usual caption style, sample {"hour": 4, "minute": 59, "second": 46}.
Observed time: {"hour": 6, "minute": 31, "second": 41}
